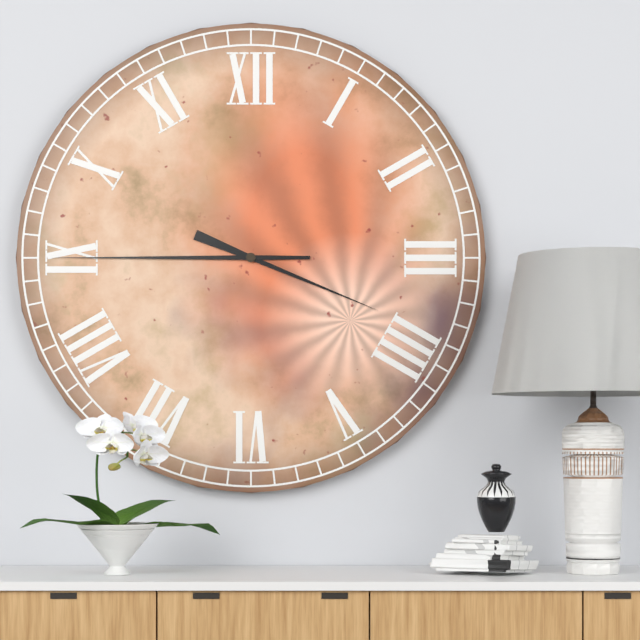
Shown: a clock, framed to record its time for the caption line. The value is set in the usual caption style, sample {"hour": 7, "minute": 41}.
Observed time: {"hour": 3, "minute": 45}
